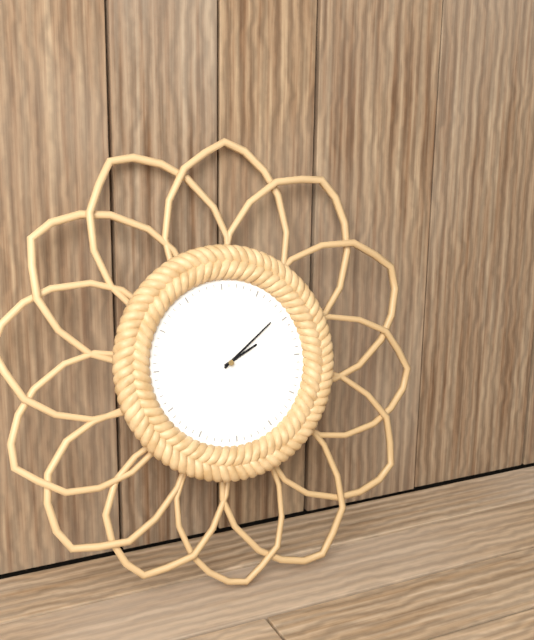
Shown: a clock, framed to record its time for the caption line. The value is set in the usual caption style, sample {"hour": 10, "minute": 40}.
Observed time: {"hour": 2, "minute": 9}
